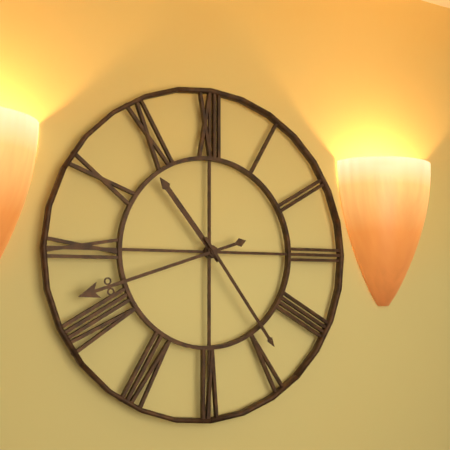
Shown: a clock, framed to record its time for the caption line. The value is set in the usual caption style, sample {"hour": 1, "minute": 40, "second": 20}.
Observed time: {"hour": 10, "minute": 42, "second": 24}
